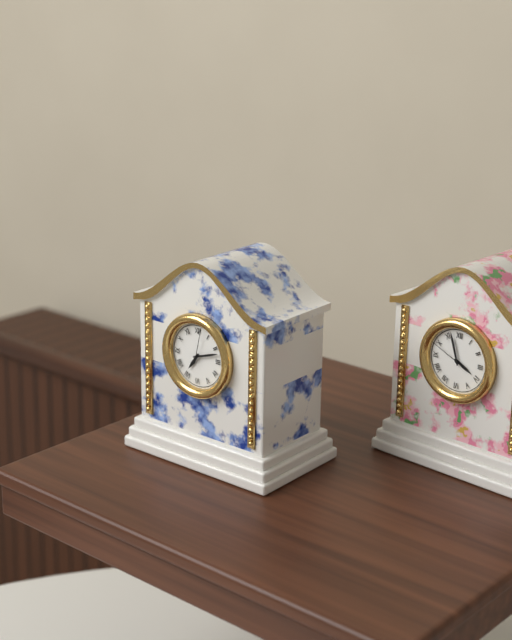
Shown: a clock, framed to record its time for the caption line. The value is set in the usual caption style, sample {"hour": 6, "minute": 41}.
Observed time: {"hour": 7, "minute": 12}
